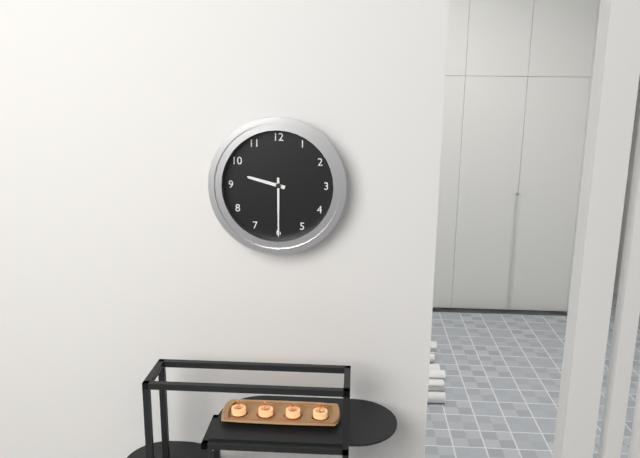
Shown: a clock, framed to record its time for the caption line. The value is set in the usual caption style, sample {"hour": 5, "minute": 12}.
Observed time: {"hour": 9, "minute": 30}
